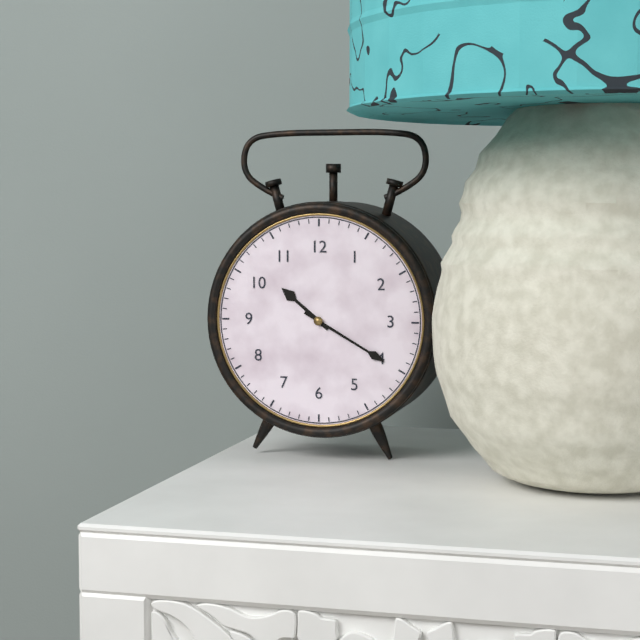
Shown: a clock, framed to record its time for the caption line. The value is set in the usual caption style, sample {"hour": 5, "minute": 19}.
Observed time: {"hour": 10, "minute": 20}
